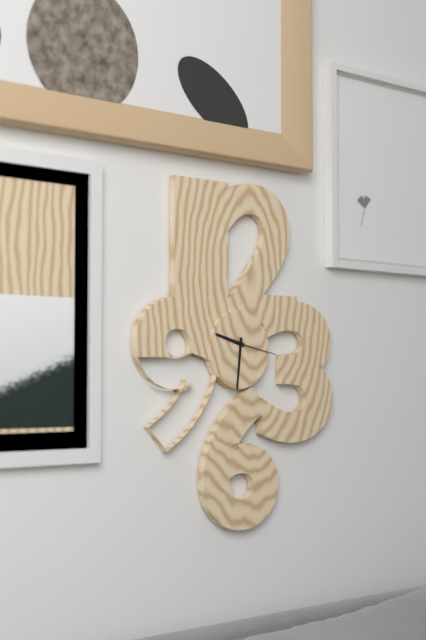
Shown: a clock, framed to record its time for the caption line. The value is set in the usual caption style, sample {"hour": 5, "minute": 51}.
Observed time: {"hour": 9, "minute": 31}
